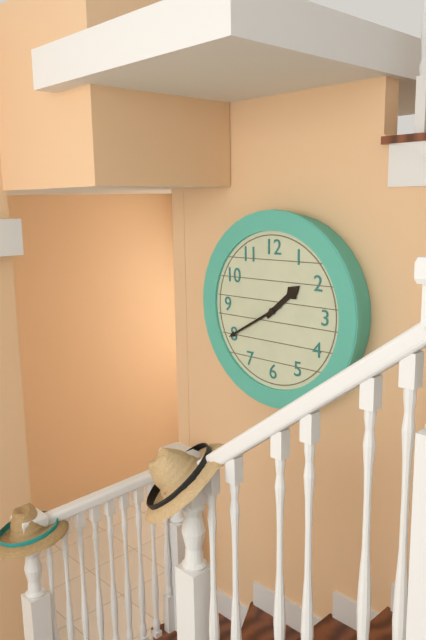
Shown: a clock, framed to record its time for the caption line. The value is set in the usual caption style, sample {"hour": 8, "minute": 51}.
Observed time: {"hour": 1, "minute": 40}
